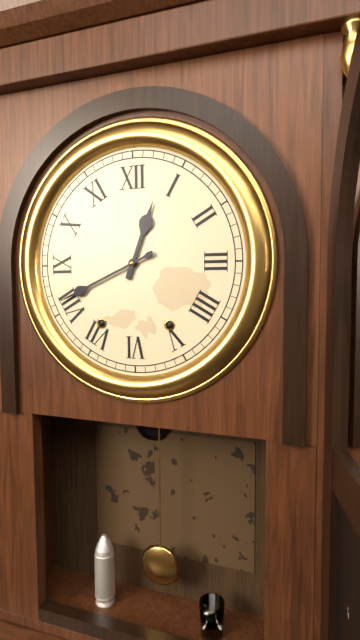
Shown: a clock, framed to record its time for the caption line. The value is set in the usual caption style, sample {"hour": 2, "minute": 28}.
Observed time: {"hour": 12, "minute": 41}
